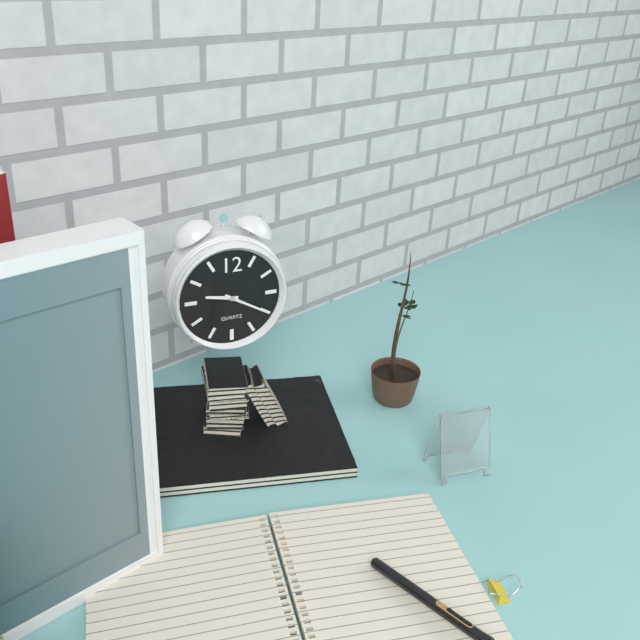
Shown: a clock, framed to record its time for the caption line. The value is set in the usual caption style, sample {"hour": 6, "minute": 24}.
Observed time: {"hour": 9, "minute": 20}
